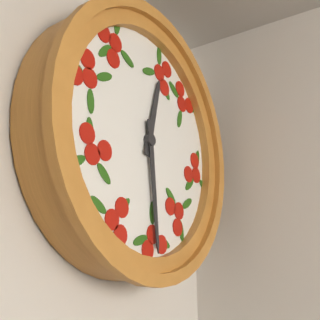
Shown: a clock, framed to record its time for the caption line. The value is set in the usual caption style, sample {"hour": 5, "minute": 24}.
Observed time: {"hour": 12, "minute": 29}
